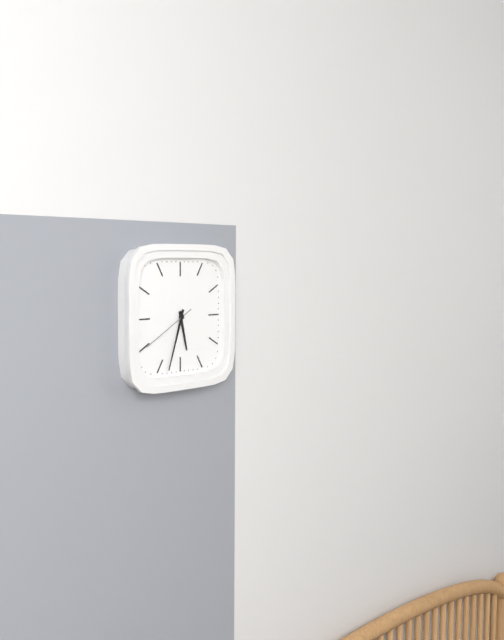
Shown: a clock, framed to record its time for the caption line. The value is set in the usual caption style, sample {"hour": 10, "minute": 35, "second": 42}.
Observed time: {"hour": 5, "minute": 33, "second": 40}
